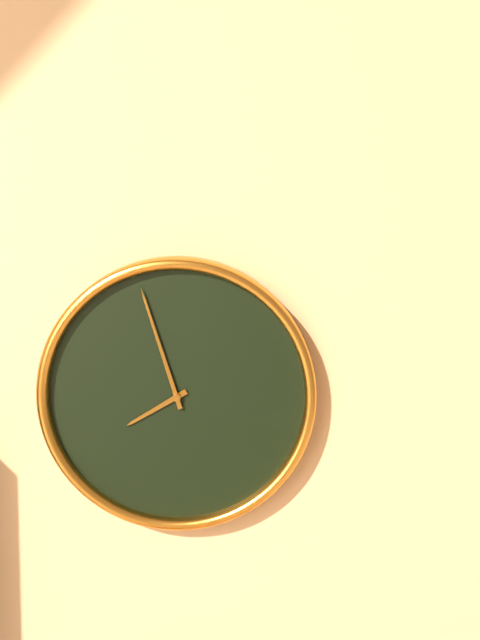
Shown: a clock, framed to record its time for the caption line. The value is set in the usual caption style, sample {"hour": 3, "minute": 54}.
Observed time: {"hour": 7, "minute": 57}
